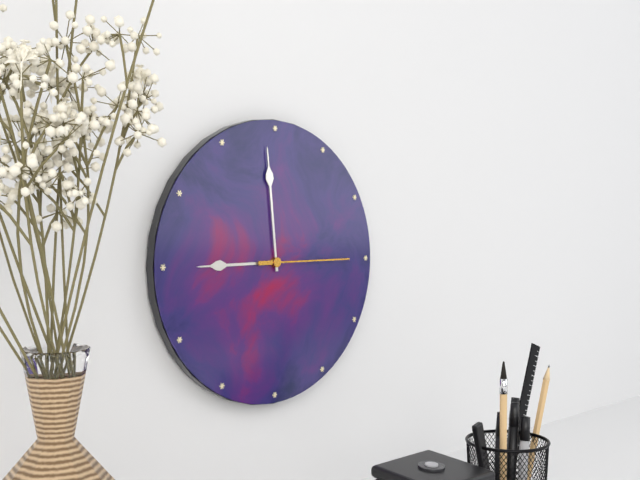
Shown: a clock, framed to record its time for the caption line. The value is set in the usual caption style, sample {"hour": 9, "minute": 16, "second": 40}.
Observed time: {"hour": 8, "minute": 59, "second": 15}
